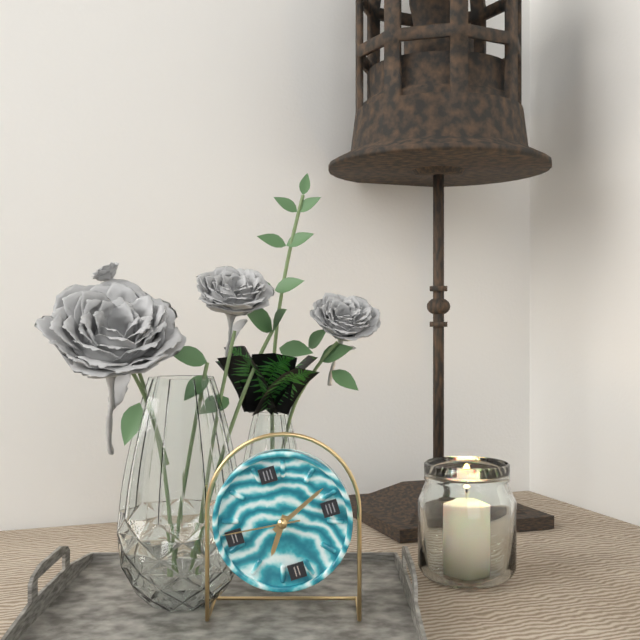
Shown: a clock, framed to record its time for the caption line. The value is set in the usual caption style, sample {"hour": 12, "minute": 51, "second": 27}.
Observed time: {"hour": 7, "minute": 11, "second": 46}
